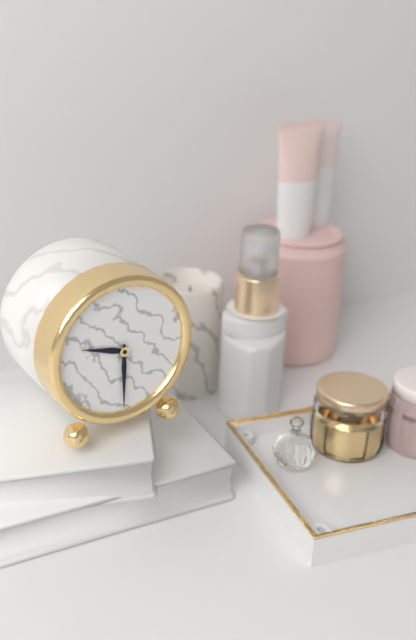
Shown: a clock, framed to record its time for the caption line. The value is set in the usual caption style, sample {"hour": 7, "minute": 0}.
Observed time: {"hour": 9, "minute": 30}
